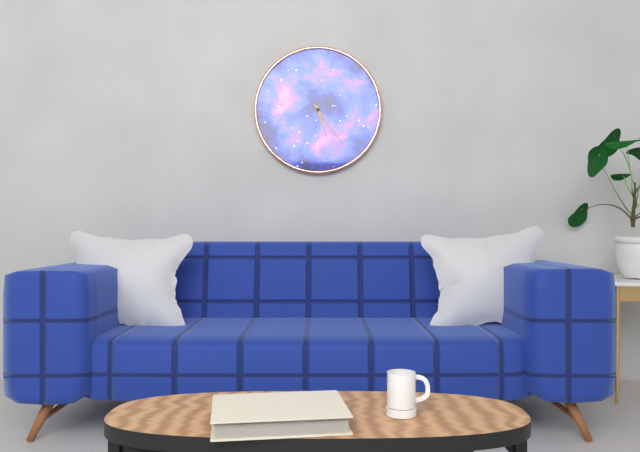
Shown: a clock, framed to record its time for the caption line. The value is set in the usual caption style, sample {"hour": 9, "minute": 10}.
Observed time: {"hour": 5, "minute": 24}
